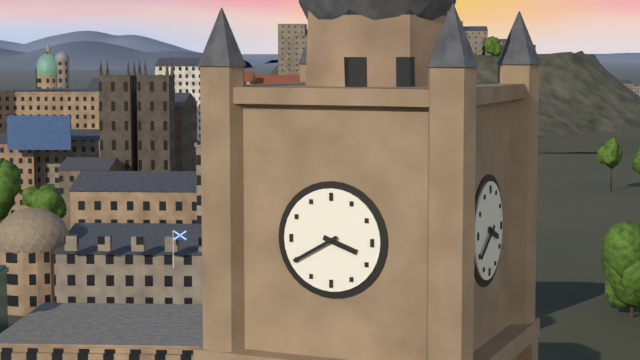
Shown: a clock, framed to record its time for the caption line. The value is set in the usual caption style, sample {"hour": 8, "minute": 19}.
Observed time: {"hour": 3, "minute": 40}
